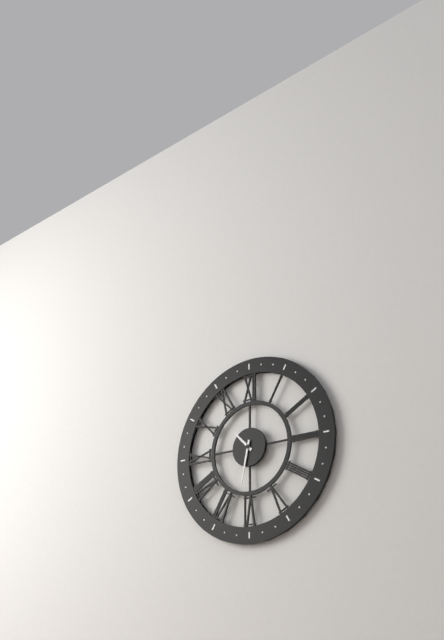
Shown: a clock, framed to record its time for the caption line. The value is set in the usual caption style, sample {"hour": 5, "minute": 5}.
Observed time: {"hour": 10, "minute": 32}
